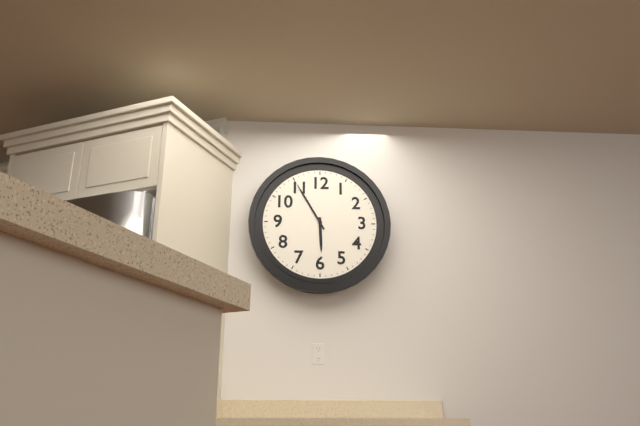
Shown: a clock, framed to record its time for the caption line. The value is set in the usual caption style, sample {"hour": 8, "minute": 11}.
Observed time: {"hour": 5, "minute": 55}
